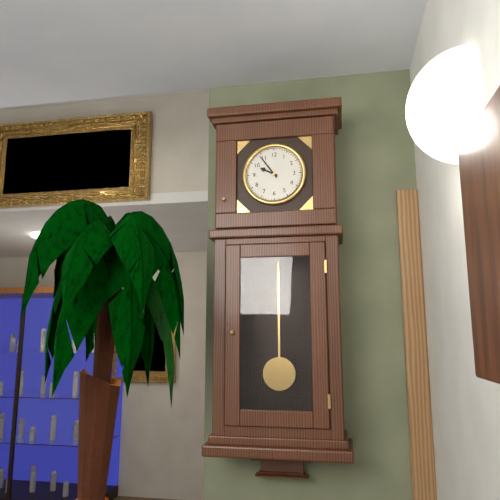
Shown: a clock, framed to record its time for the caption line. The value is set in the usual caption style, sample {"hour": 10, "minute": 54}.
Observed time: {"hour": 9, "minute": 54}
